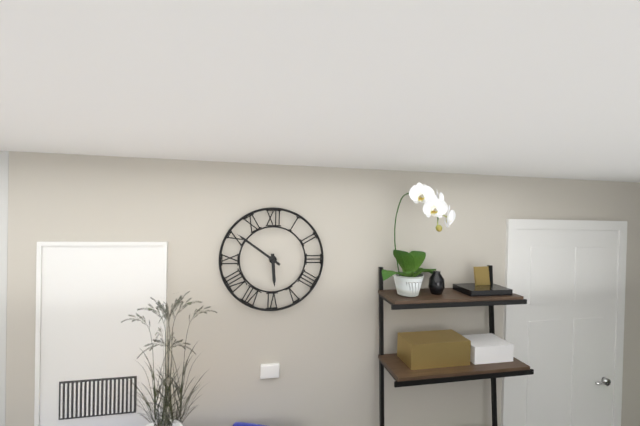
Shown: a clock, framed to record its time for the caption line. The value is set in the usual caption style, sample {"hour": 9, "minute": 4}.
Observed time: {"hour": 5, "minute": 51}
